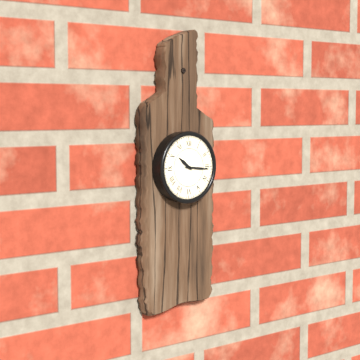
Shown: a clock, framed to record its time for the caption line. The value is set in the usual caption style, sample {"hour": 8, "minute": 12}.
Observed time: {"hour": 10, "minute": 16}
